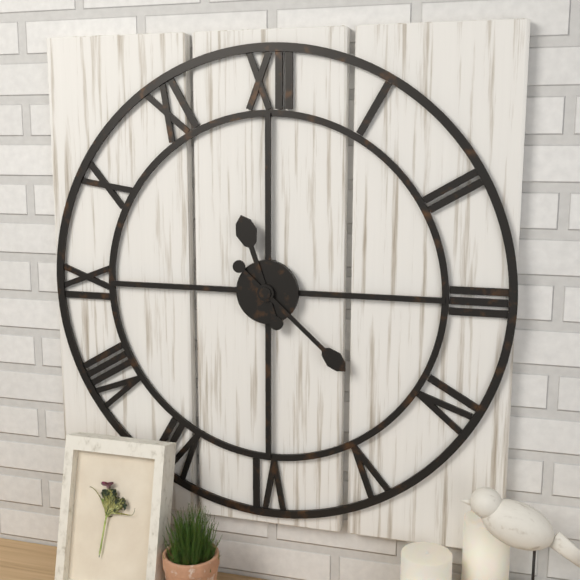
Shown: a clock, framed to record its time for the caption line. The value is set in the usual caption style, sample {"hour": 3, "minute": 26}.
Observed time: {"hour": 11, "minute": 22}
